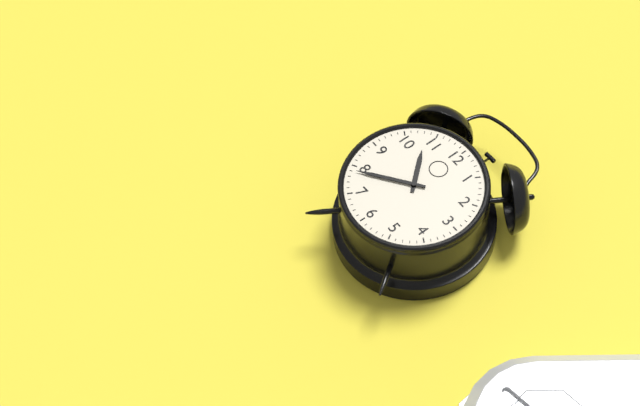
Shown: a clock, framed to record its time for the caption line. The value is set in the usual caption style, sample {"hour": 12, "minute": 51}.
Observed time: {"hour": 10, "minute": 39}
